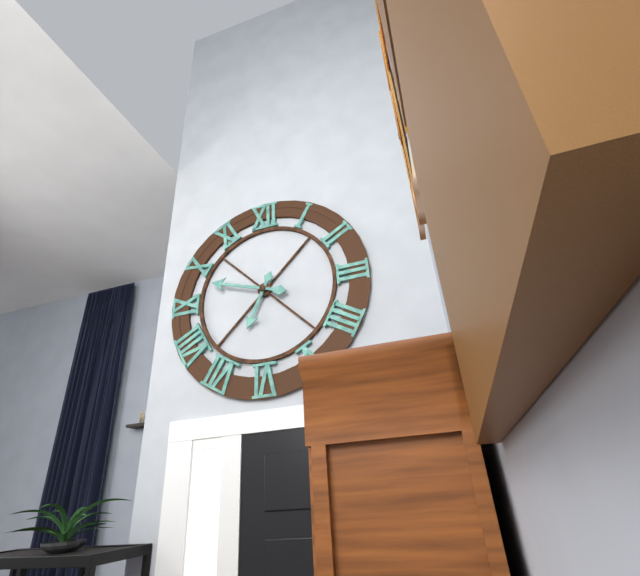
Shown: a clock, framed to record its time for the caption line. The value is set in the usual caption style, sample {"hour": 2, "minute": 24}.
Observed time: {"hour": 6, "minute": 48}
